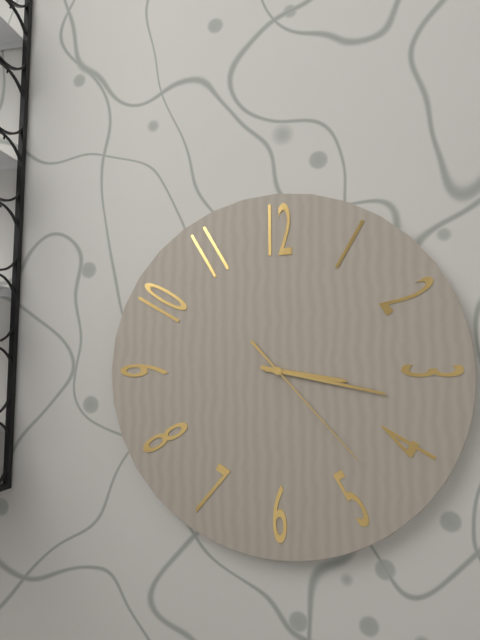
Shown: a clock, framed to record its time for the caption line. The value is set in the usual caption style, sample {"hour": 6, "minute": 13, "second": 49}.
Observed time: {"hour": 3, "minute": 17, "second": 23}
